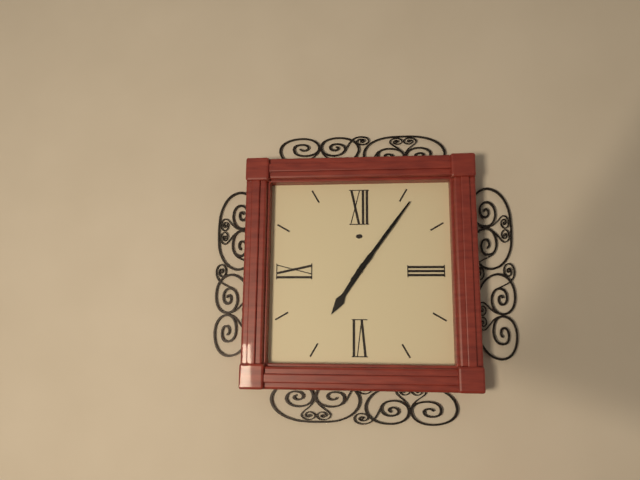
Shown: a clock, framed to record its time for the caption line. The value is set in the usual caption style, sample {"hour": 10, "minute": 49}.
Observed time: {"hour": 7, "minute": 6}
